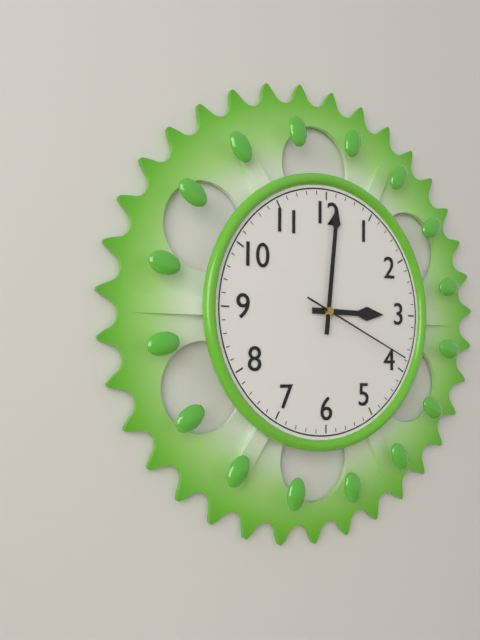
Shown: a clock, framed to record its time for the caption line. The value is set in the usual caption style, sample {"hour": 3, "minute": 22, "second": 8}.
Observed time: {"hour": 3, "minute": 1, "second": 19}
